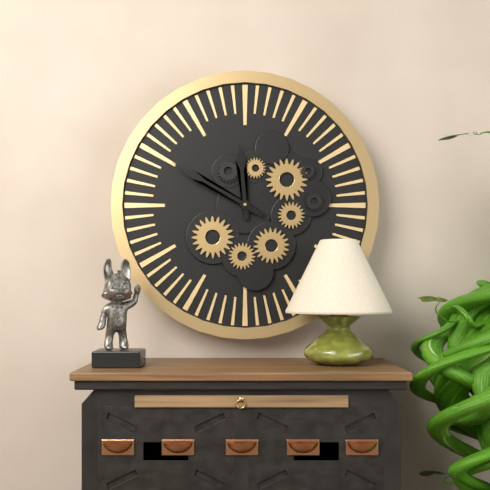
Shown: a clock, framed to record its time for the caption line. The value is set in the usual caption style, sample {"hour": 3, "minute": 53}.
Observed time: {"hour": 11, "minute": 50}
